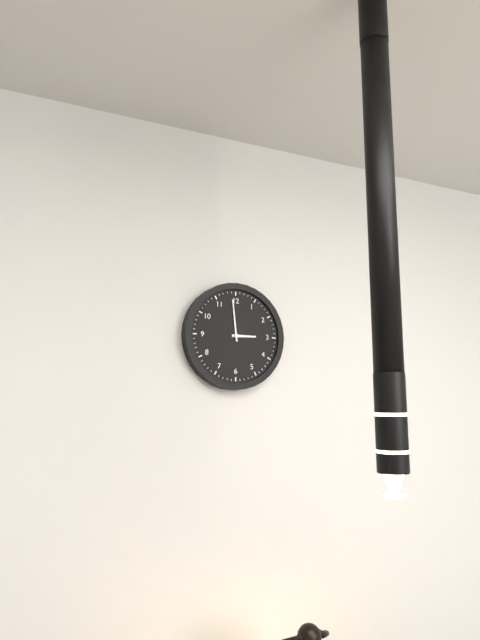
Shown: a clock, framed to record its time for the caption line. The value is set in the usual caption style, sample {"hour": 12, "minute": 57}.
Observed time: {"hour": 2, "minute": 59}
